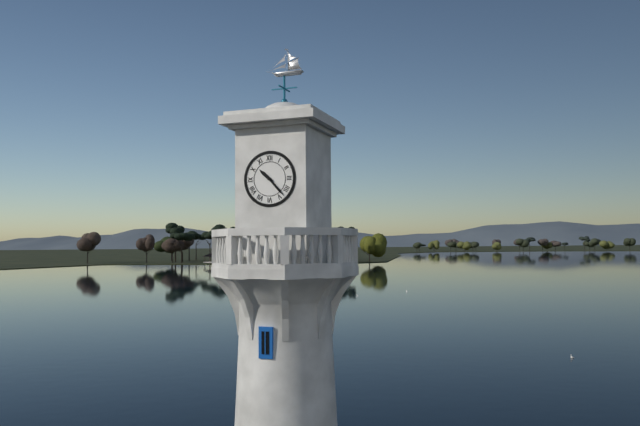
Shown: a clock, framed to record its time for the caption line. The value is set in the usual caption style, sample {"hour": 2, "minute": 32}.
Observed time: {"hour": 10, "minute": 23}
